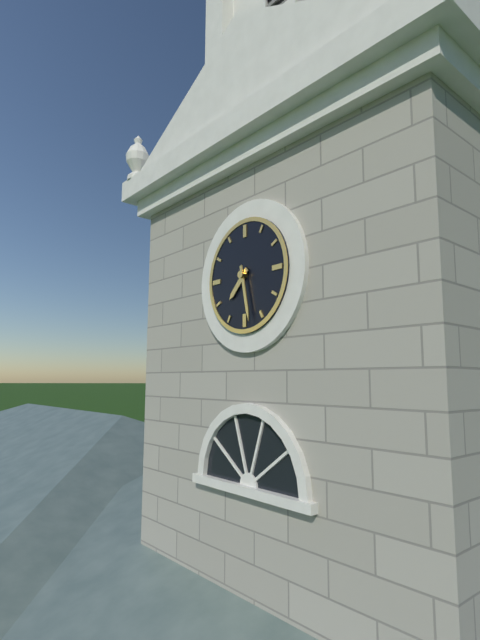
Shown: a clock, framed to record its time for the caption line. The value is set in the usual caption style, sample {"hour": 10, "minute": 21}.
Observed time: {"hour": 7, "minute": 28}
